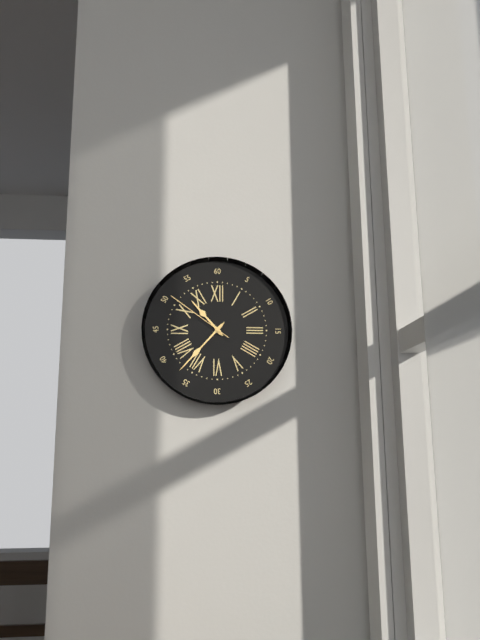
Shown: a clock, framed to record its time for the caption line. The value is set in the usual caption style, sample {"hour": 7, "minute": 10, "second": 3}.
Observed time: {"hour": 10, "minute": 37, "second": 51}
